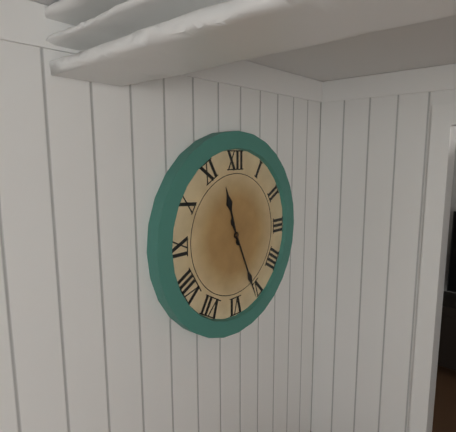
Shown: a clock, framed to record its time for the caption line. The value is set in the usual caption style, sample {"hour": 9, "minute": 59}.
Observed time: {"hour": 11, "minute": 26}
